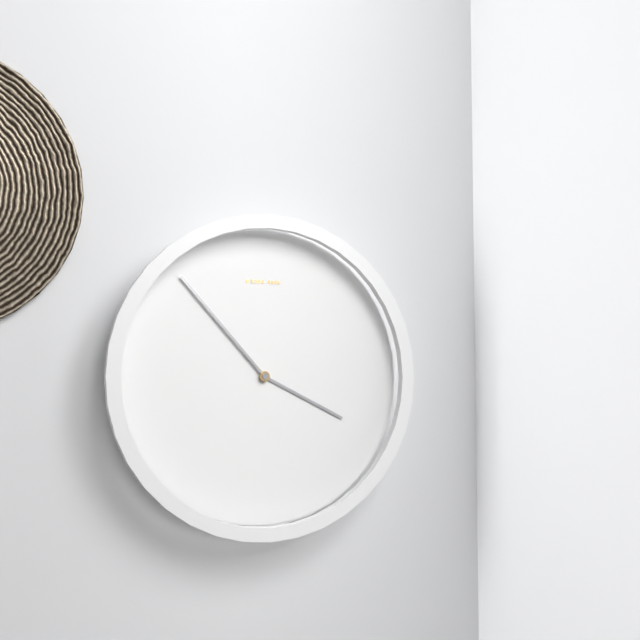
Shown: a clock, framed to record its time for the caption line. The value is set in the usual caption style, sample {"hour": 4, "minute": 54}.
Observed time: {"hour": 3, "minute": 53}
